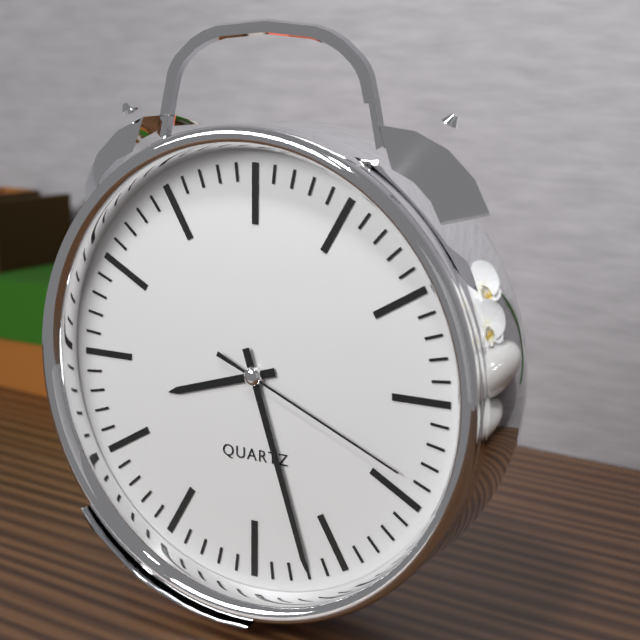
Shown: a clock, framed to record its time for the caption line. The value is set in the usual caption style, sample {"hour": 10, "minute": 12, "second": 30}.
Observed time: {"hour": 8, "minute": 27, "second": 19}
